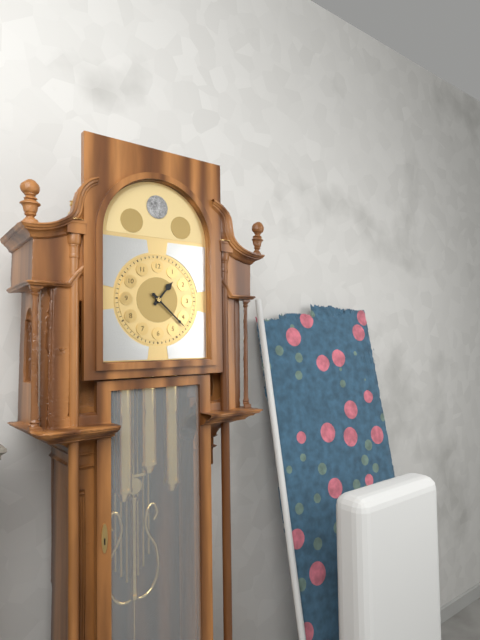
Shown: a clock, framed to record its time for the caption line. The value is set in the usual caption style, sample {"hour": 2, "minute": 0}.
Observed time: {"hour": 1, "minute": 22}
